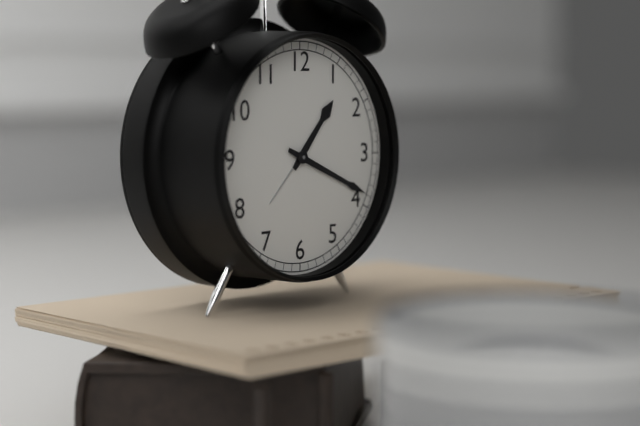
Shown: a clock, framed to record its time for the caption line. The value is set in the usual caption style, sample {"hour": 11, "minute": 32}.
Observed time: {"hour": 1, "minute": 19}
